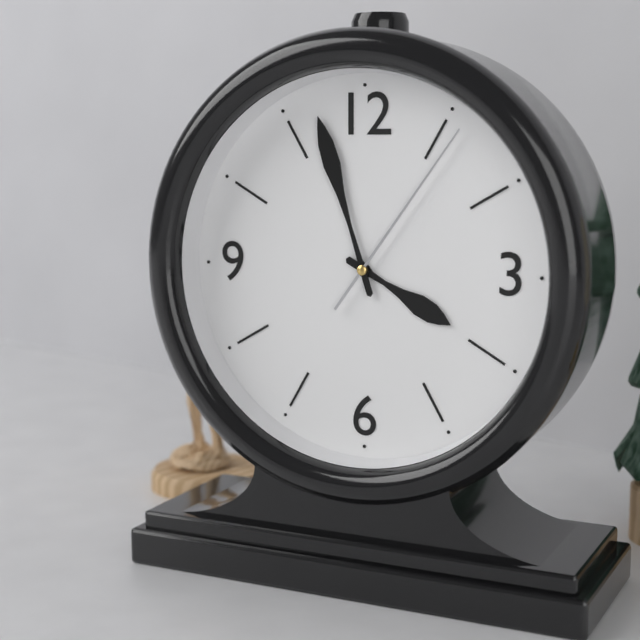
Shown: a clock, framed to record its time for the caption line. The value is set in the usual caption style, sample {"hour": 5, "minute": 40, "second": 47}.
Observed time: {"hour": 3, "minute": 57, "second": 6}
